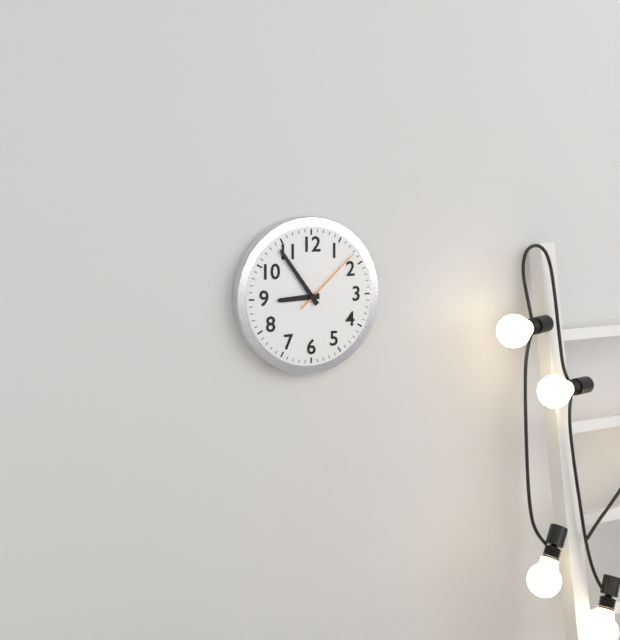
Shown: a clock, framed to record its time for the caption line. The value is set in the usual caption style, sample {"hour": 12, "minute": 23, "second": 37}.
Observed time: {"hour": 8, "minute": 54, "second": 8}
